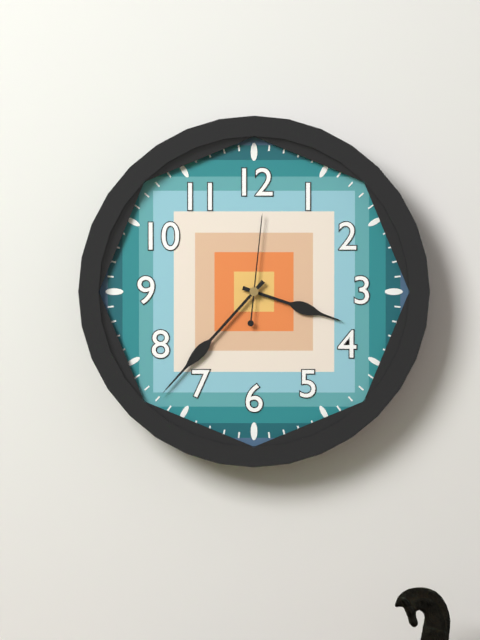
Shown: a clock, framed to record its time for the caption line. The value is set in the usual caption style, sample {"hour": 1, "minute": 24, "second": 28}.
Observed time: {"hour": 3, "minute": 37, "second": 1}
